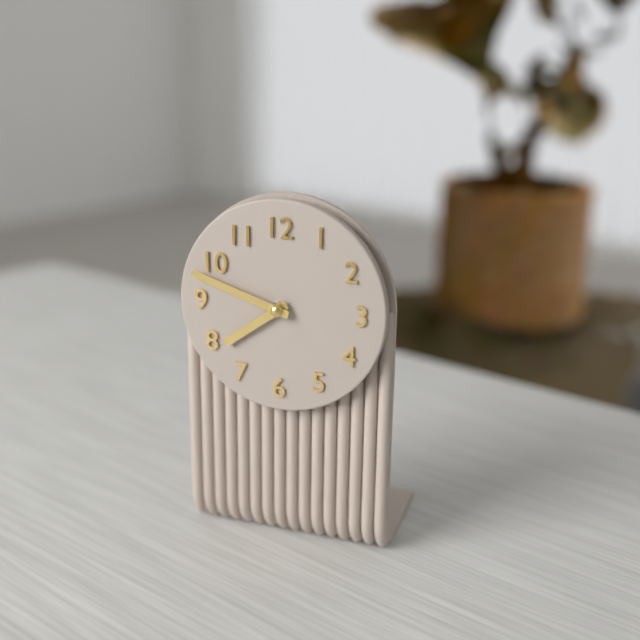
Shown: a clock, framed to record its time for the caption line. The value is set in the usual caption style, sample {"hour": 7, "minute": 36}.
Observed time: {"hour": 7, "minute": 48}
